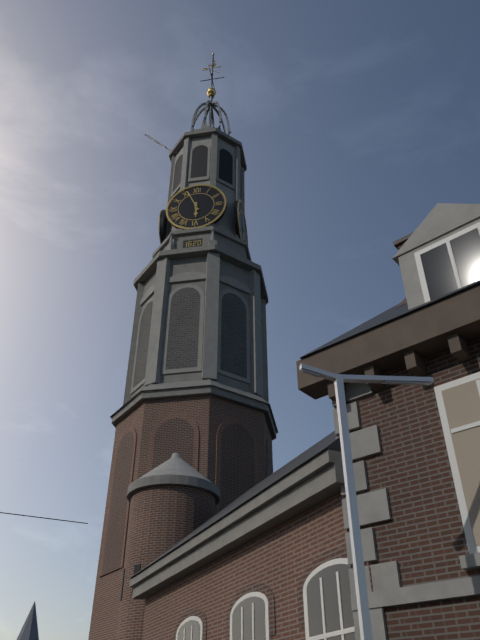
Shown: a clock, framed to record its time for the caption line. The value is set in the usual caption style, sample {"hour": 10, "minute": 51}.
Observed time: {"hour": 5, "minute": 56}
